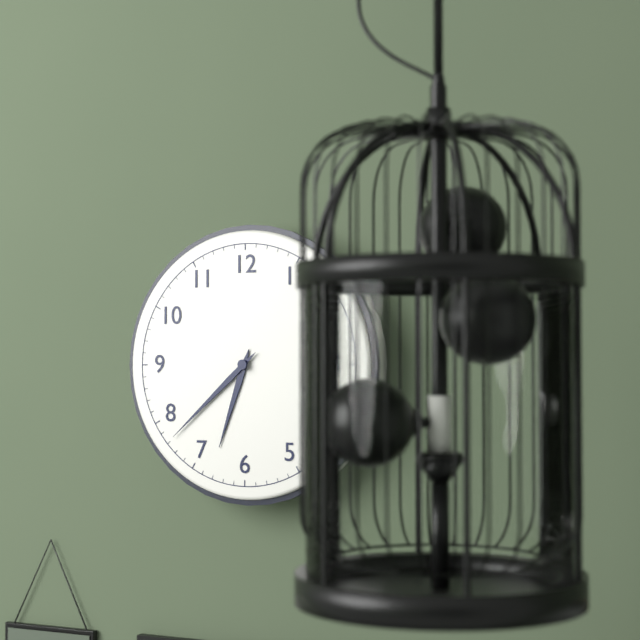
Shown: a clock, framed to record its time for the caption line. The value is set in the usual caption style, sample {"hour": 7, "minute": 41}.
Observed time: {"hour": 6, "minute": 38}
